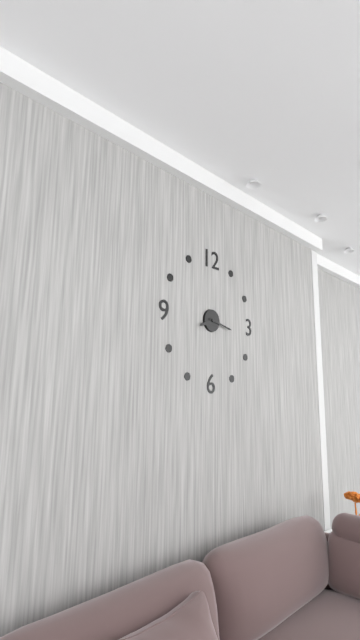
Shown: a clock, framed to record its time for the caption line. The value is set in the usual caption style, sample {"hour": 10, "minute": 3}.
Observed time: {"hour": 8, "minute": 17}
